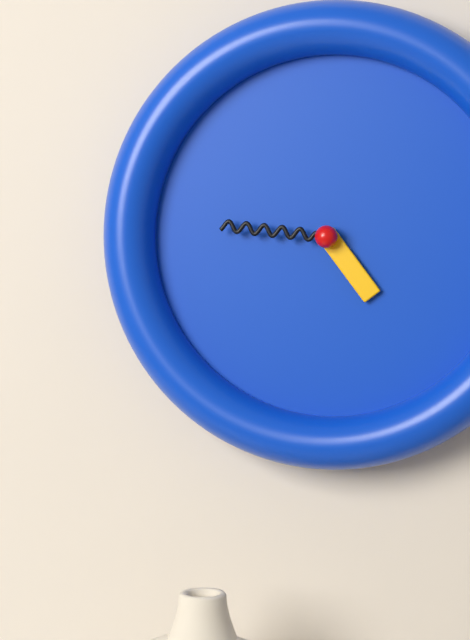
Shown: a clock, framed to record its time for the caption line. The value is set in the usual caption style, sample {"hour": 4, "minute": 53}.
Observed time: {"hour": 4, "minute": 46}
